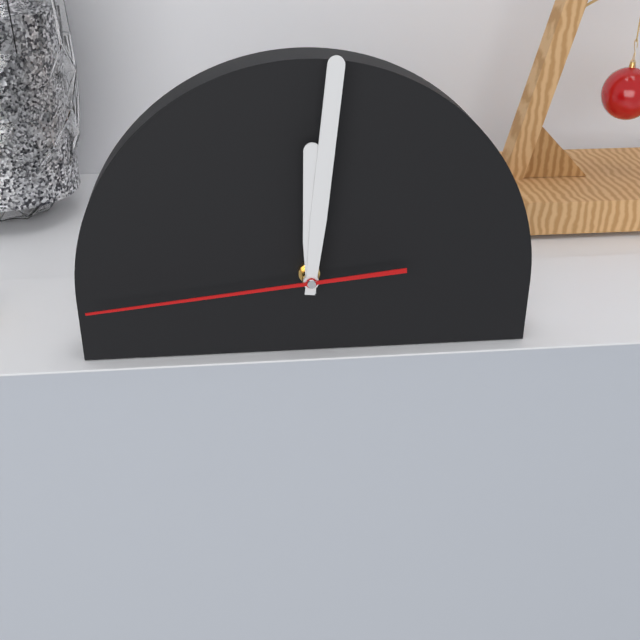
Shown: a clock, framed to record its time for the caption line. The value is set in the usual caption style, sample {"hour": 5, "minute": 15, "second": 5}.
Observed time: {"hour": 12, "minute": 1, "second": 44}
